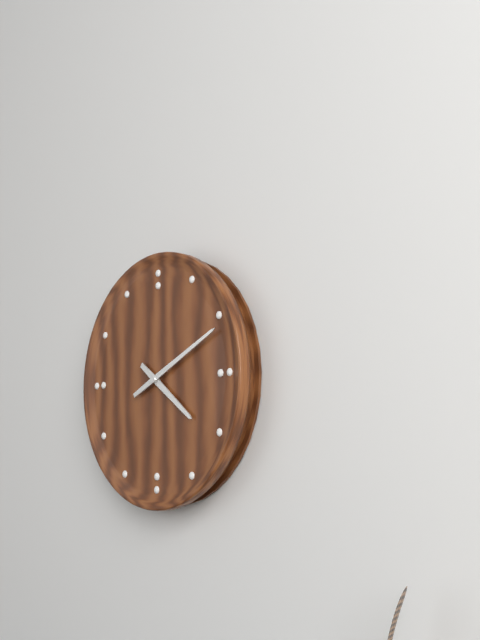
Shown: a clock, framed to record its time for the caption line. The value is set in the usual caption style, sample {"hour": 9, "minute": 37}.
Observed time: {"hour": 4, "minute": 11}
